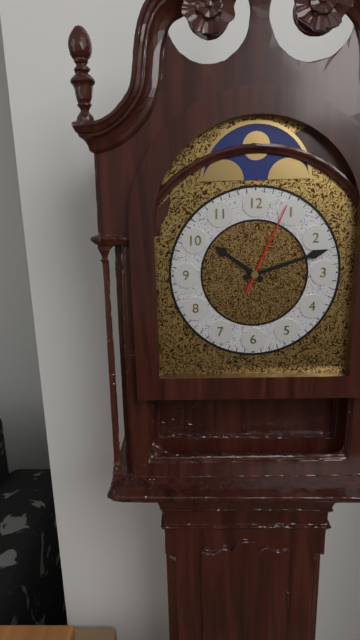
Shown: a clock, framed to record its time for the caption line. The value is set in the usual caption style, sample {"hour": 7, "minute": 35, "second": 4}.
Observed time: {"hour": 10, "minute": 12, "second": 4}
